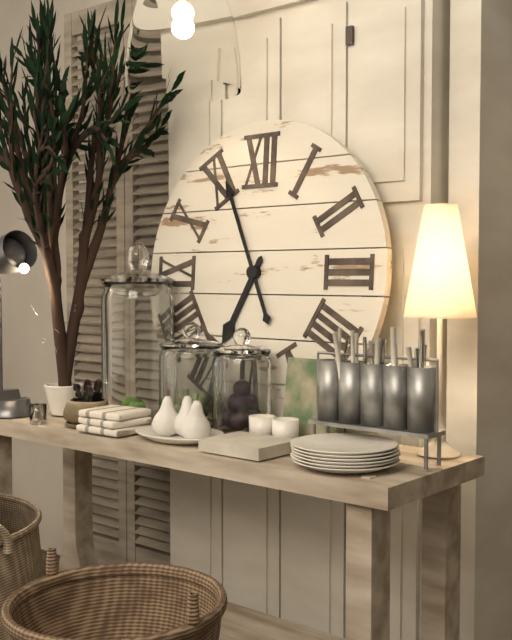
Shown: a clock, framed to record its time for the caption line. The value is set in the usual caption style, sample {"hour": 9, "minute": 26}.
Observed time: {"hour": 6, "minute": 56}
